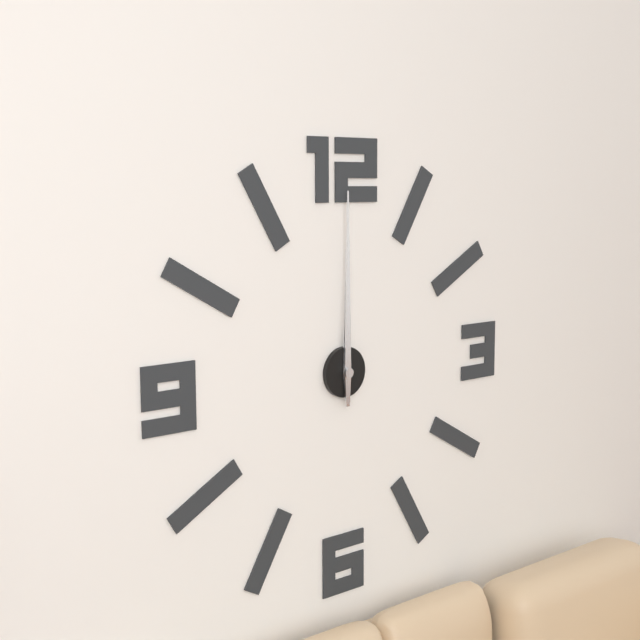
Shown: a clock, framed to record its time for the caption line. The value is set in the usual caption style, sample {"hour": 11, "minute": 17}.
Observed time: {"hour": 12, "minute": 0}
